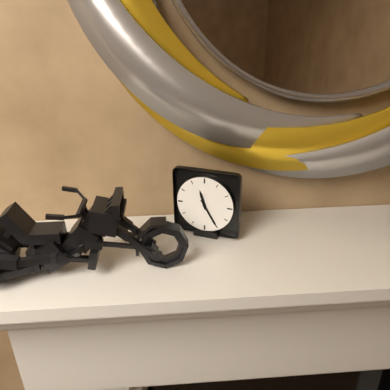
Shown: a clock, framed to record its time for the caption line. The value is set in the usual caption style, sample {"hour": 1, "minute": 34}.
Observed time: {"hour": 11, "minute": 25}
